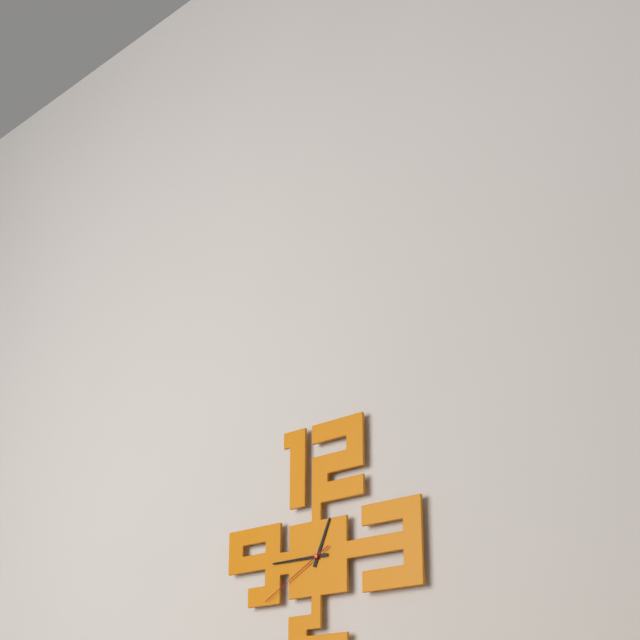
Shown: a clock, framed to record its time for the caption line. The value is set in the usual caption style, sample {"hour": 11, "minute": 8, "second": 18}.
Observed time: {"hour": 12, "minute": 45, "second": 40}
